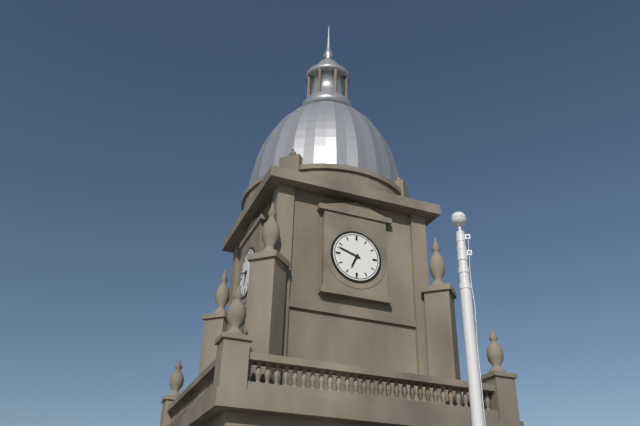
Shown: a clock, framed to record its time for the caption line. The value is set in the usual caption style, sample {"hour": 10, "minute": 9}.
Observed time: {"hour": 6, "minute": 48}
